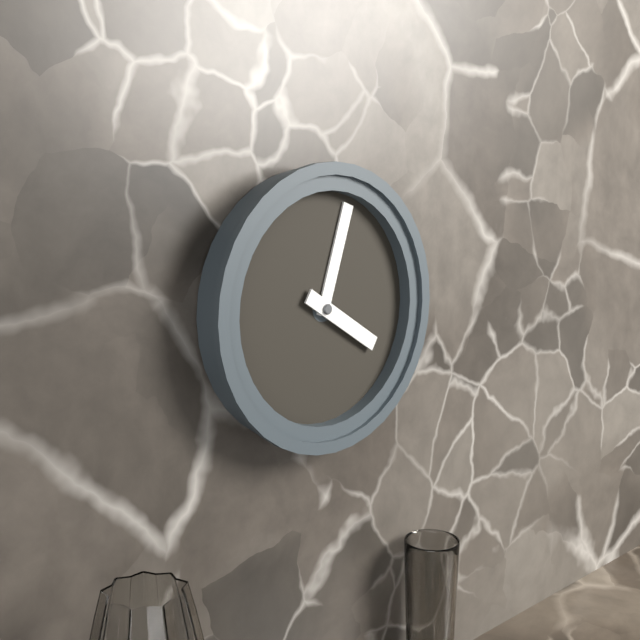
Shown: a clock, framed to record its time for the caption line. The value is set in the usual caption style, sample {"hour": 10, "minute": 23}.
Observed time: {"hour": 4, "minute": 3}
